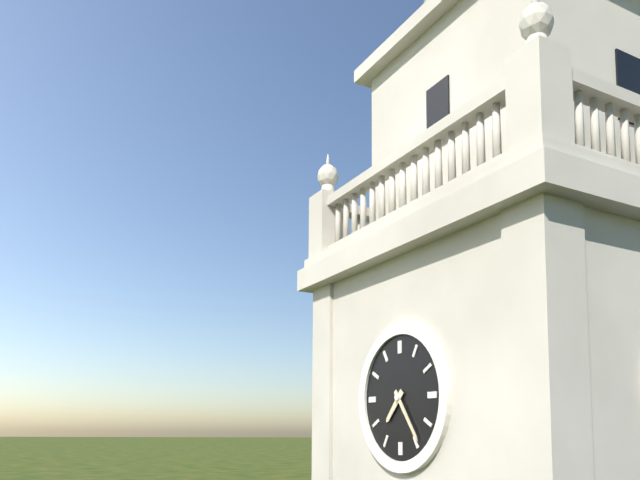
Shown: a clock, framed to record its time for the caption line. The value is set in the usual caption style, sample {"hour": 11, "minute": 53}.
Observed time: {"hour": 7, "minute": 24}
